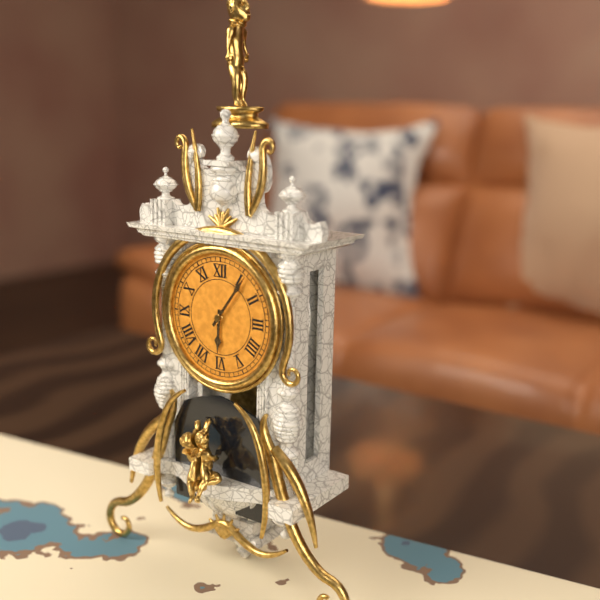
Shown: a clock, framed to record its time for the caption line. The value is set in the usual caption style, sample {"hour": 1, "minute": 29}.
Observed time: {"hour": 6, "minute": 6}
